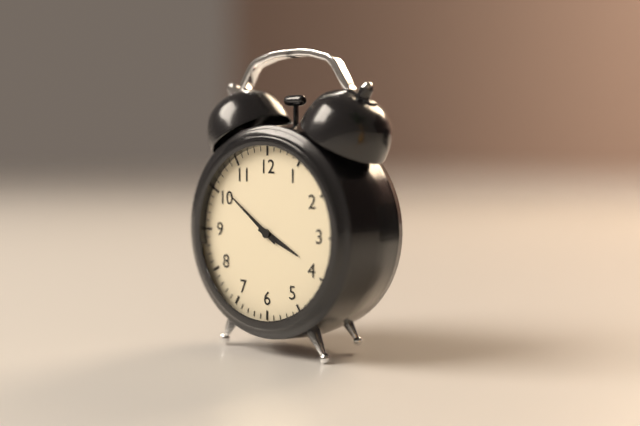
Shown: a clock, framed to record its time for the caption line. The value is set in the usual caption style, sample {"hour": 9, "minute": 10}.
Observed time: {"hour": 3, "minute": 51}
